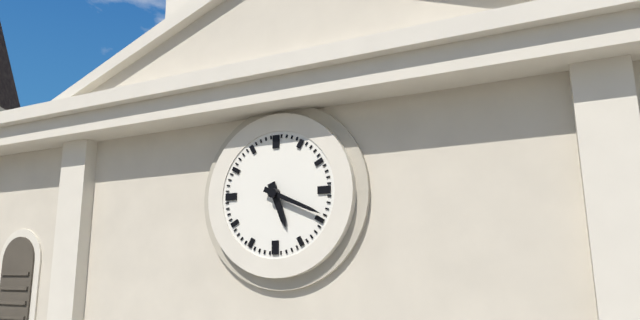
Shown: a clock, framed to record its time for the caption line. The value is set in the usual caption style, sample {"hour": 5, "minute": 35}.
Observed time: {"hour": 5, "minute": 19}
